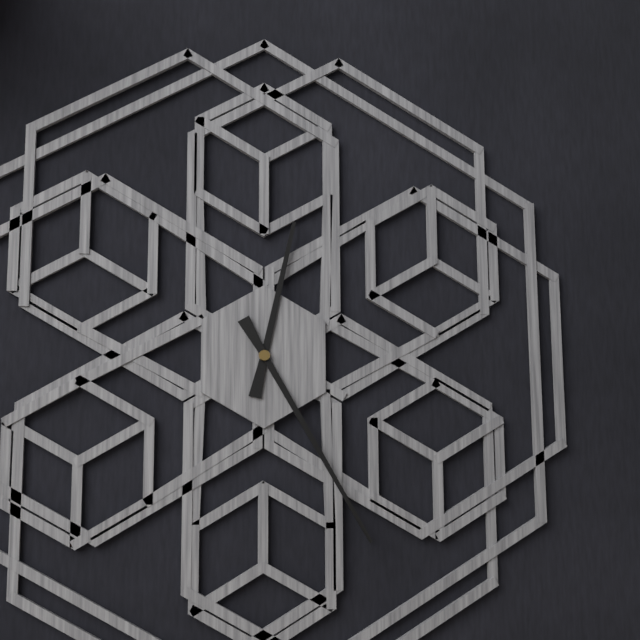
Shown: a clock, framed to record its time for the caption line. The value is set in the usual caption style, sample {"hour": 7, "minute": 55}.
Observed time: {"hour": 12, "minute": 25}
